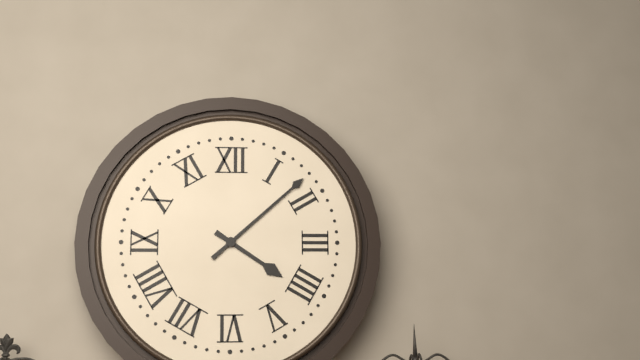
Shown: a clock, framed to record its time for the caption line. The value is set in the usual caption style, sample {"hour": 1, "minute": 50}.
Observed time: {"hour": 4, "minute": 8}
